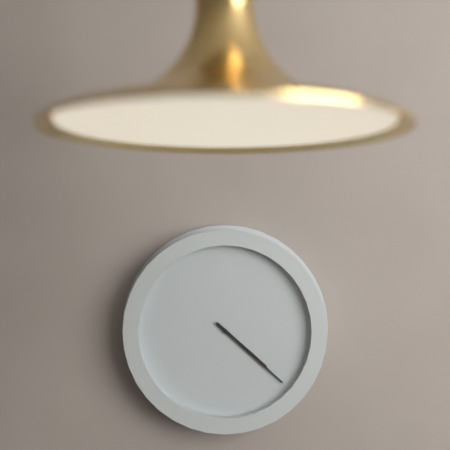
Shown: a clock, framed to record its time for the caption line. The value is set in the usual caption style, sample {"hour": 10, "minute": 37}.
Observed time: {"hour": 4, "minute": 22}
